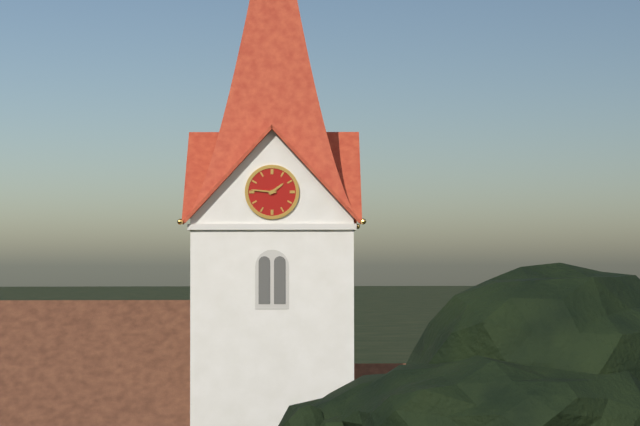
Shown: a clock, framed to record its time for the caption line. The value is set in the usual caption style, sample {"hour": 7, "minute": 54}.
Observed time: {"hour": 1, "minute": 46}
